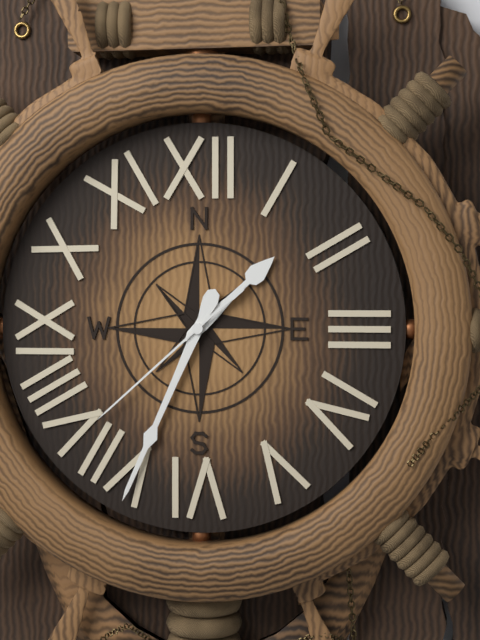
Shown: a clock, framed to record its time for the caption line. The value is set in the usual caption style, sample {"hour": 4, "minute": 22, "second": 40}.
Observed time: {"hour": 1, "minute": 34, "second": 38}
